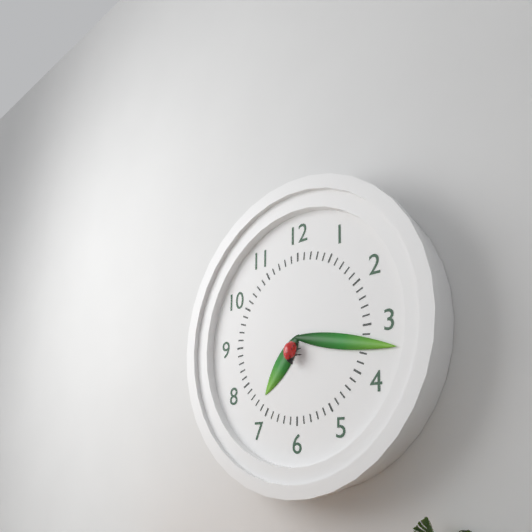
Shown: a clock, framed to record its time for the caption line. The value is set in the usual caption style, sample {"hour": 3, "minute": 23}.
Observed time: {"hour": 7, "minute": 17}
